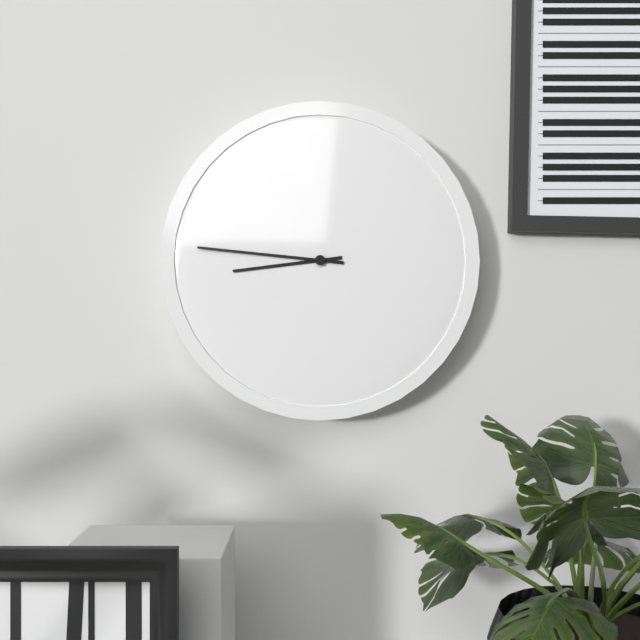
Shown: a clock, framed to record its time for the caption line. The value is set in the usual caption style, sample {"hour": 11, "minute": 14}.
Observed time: {"hour": 8, "minute": 46}
